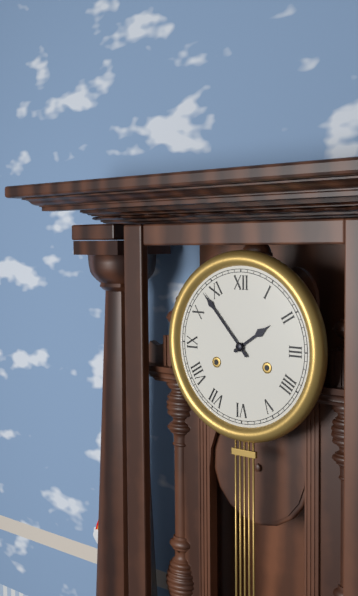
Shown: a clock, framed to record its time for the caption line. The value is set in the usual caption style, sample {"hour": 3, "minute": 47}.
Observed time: {"hour": 1, "minute": 53}
